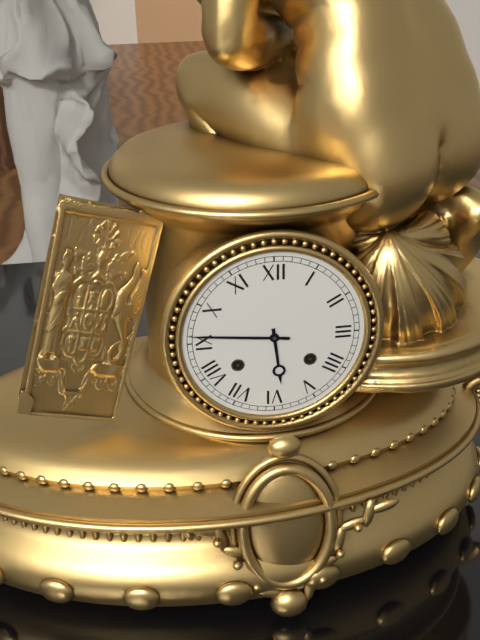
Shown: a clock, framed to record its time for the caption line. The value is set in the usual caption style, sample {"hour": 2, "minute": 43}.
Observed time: {"hour": 5, "minute": 46}
